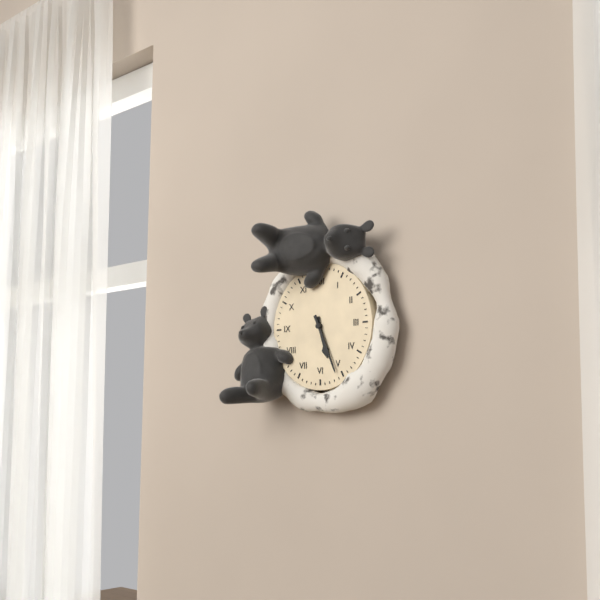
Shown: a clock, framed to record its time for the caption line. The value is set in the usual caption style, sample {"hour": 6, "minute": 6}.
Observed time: {"hour": 5, "minute": 26}
